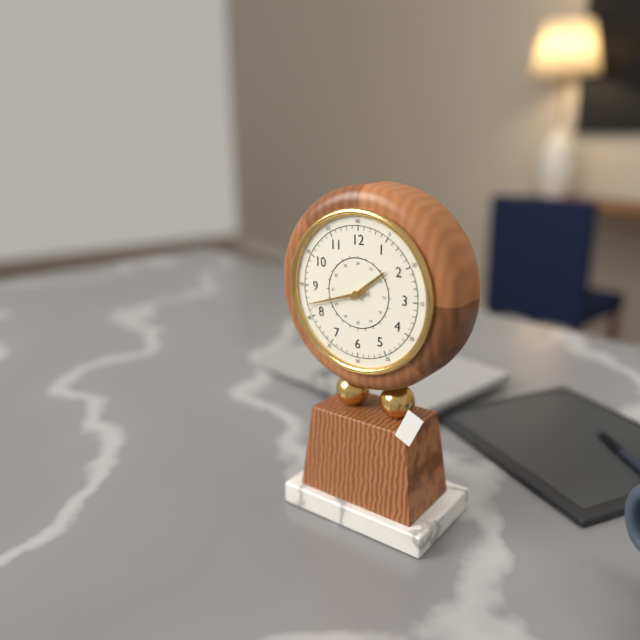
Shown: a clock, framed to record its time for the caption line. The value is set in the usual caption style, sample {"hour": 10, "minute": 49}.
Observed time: {"hour": 1, "minute": 42}
